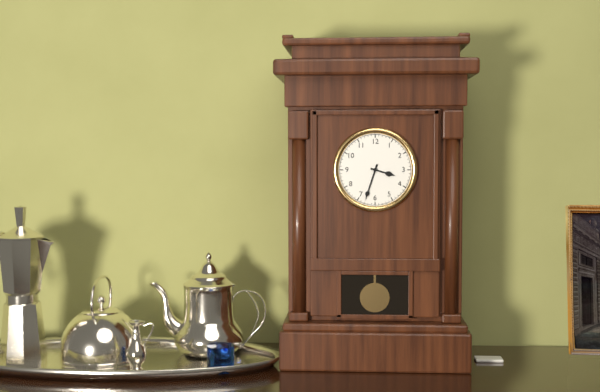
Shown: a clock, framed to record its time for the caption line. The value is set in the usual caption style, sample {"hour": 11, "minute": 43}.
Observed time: {"hour": 3, "minute": 33}
